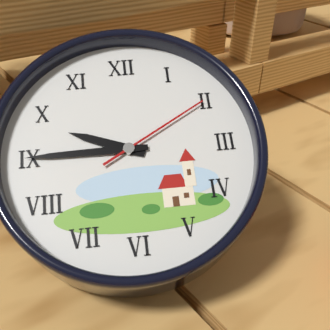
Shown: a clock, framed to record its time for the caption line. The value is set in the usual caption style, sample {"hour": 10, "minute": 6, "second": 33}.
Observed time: {"hour": 9, "minute": 45, "second": 10}
